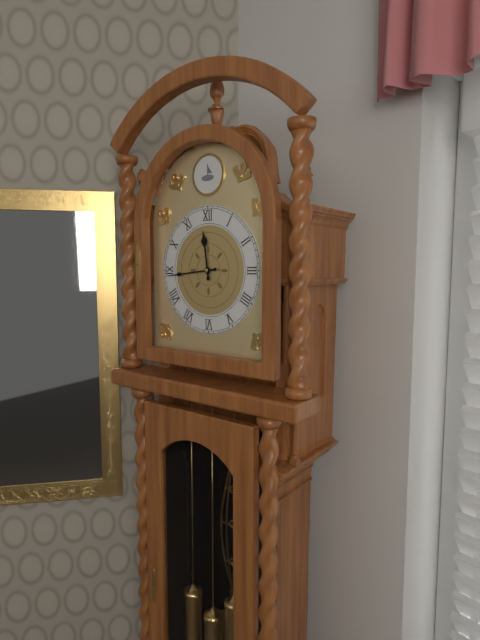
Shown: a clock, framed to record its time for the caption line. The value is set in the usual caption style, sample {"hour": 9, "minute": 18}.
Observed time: {"hour": 11, "minute": 44}
